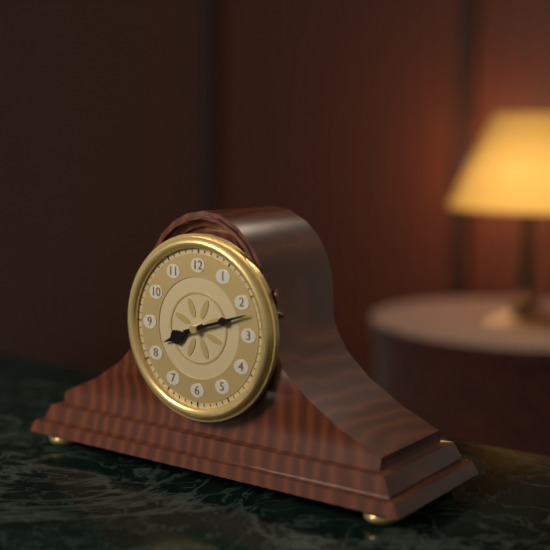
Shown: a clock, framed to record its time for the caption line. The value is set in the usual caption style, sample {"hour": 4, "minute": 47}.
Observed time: {"hour": 8, "minute": 12}
